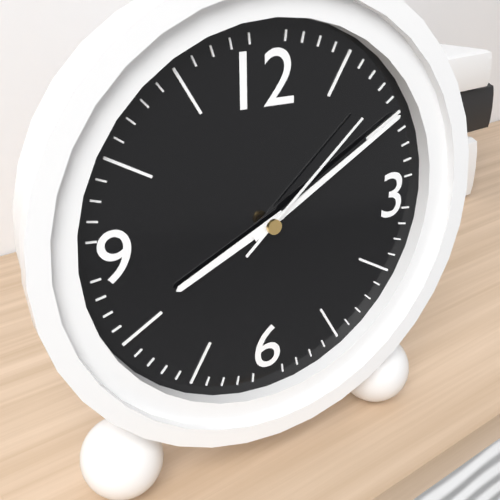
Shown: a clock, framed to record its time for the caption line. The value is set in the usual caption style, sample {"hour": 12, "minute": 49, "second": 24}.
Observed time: {"hour": 8, "minute": 10, "second": 8}
